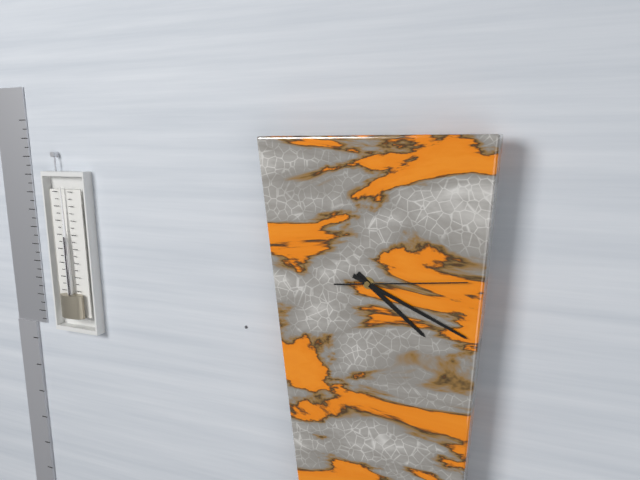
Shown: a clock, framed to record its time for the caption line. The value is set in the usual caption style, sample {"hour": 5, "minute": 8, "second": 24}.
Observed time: {"hour": 4, "minute": 19, "second": 14}
